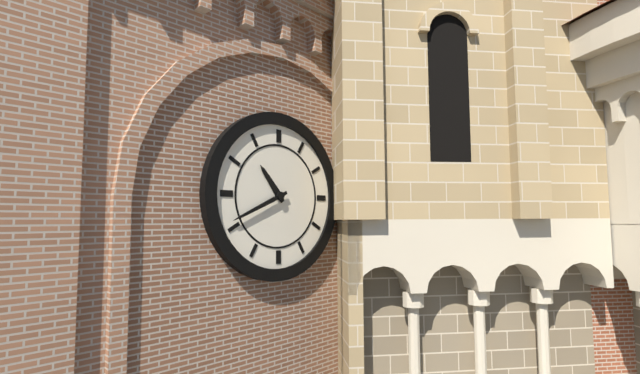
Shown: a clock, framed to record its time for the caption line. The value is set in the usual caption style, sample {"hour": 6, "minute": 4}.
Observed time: {"hour": 10, "minute": 41}
